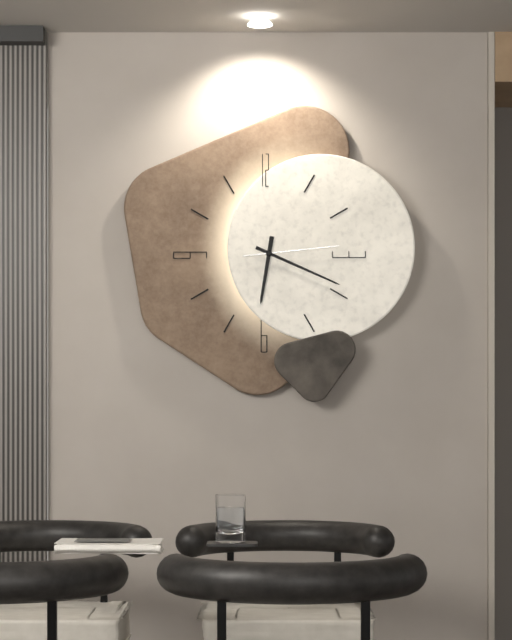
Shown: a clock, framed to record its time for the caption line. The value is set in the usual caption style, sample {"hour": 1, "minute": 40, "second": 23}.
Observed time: {"hour": 6, "minute": 19, "second": 14}
